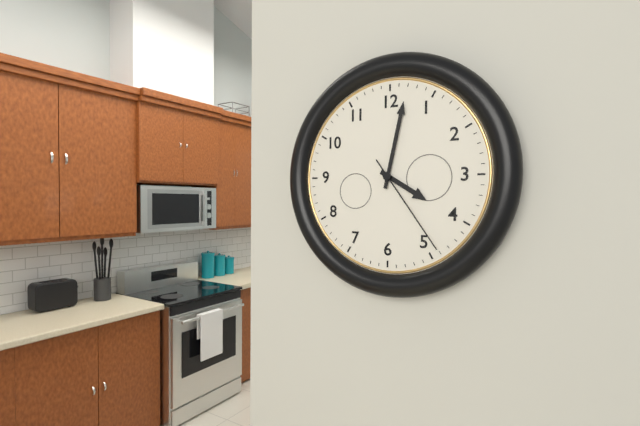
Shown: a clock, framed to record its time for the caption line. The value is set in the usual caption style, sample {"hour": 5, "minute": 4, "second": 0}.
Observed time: {"hour": 4, "minute": 2, "second": 24}
